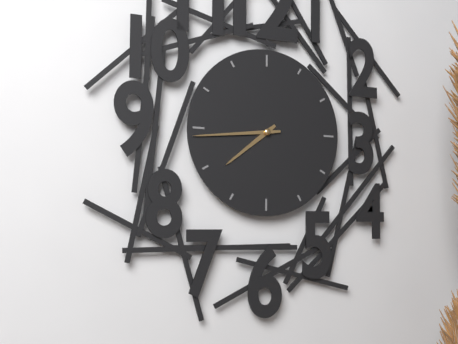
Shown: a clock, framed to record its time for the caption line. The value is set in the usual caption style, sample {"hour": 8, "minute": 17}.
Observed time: {"hour": 7, "minute": 44}
